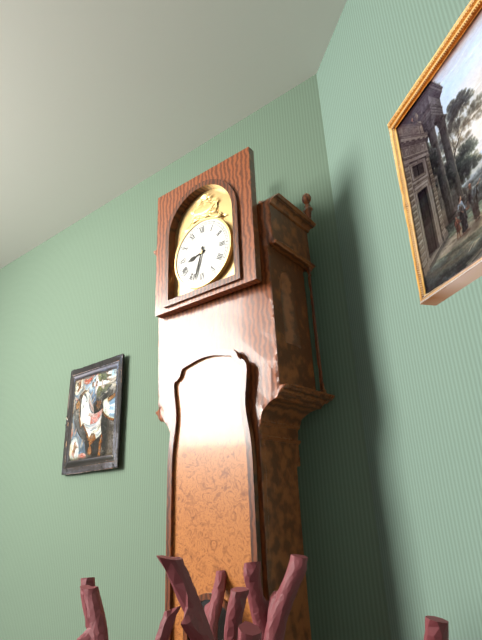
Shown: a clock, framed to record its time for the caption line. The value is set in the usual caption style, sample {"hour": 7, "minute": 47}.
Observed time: {"hour": 8, "minute": 33}
